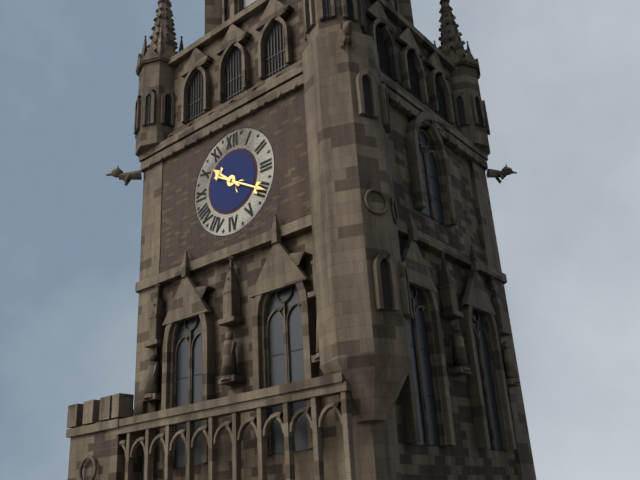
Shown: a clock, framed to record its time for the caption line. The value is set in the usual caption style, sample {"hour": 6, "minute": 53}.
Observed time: {"hour": 10, "minute": 20}
